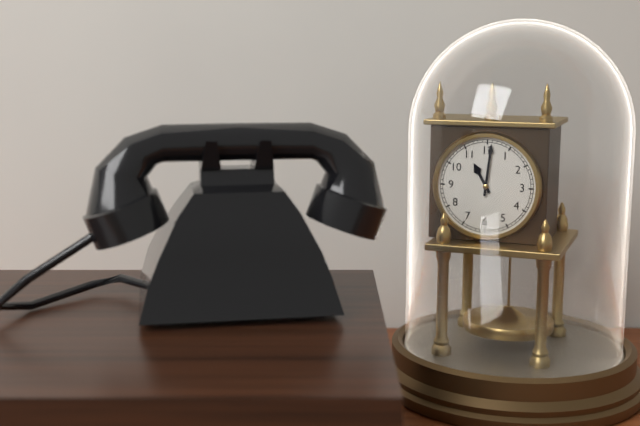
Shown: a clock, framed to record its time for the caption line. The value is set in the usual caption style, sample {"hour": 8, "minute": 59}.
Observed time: {"hour": 11, "minute": 1}
